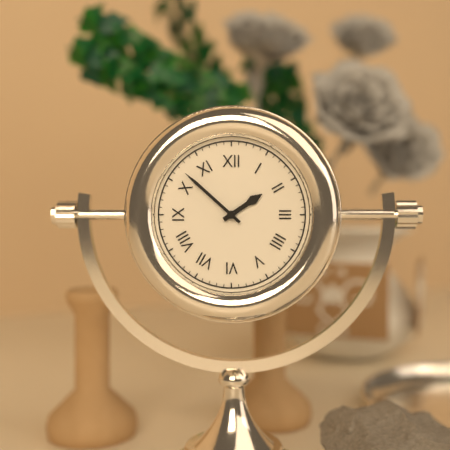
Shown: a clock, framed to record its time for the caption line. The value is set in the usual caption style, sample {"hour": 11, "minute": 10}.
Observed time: {"hour": 1, "minute": 52}
